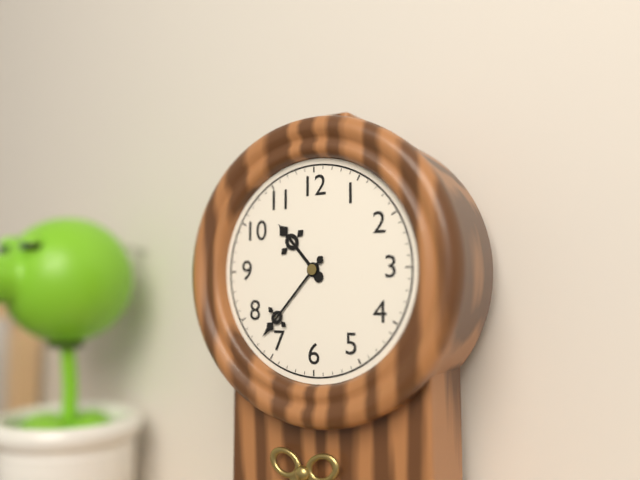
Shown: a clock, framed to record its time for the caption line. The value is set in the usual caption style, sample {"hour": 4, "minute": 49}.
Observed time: {"hour": 10, "minute": 37}
